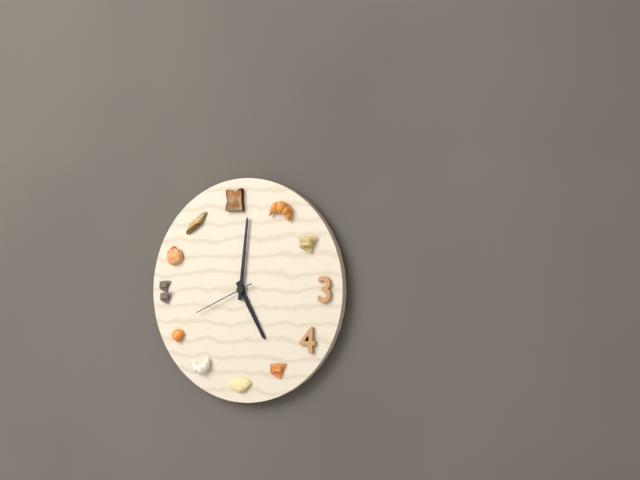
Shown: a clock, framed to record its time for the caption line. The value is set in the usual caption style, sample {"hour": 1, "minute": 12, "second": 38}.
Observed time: {"hour": 5, "minute": 1, "second": 41}
